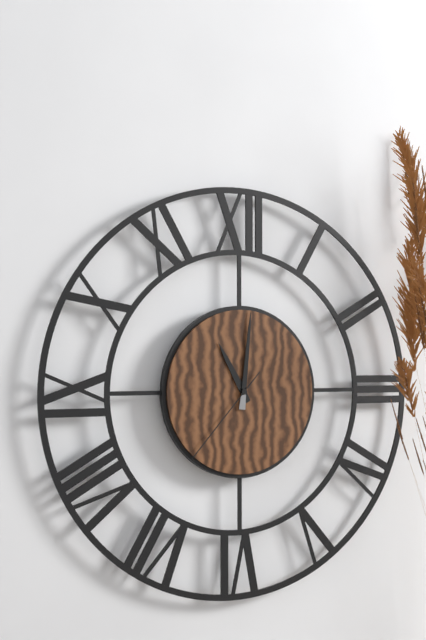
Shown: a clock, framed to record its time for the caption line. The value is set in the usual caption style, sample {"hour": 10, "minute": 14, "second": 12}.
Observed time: {"hour": 11, "minute": 1, "second": 37}
